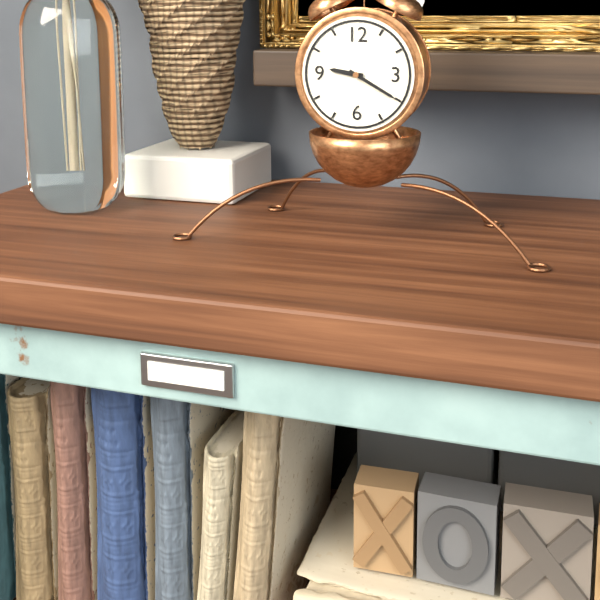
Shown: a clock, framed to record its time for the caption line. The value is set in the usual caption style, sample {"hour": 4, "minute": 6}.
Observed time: {"hour": 9, "minute": 20}
